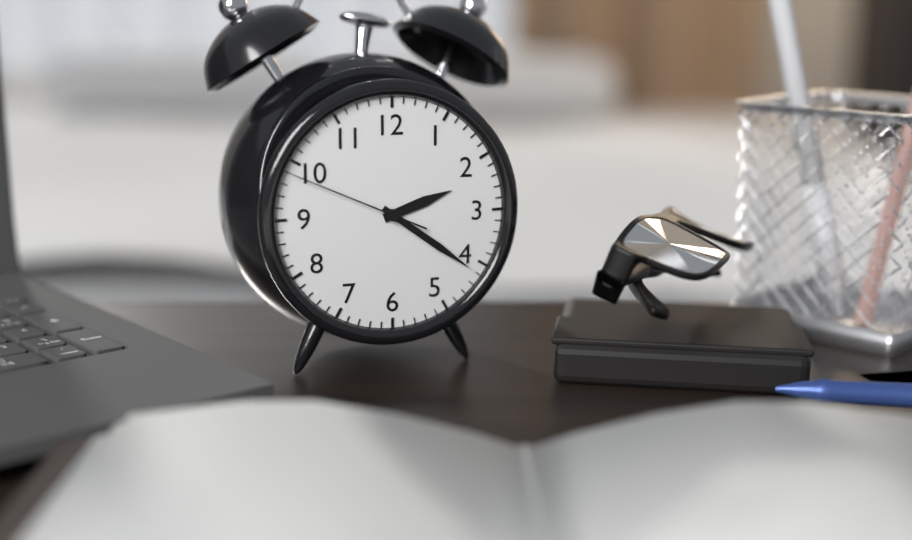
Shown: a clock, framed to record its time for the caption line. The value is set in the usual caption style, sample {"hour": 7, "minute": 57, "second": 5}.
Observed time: {"hour": 2, "minute": 21, "second": 49}
